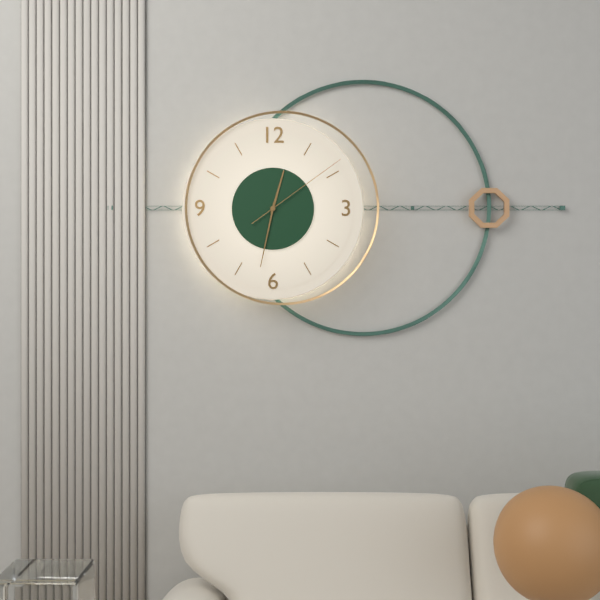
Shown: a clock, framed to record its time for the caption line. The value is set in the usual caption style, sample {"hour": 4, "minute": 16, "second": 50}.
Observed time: {"hour": 12, "minute": 32, "second": 9}
